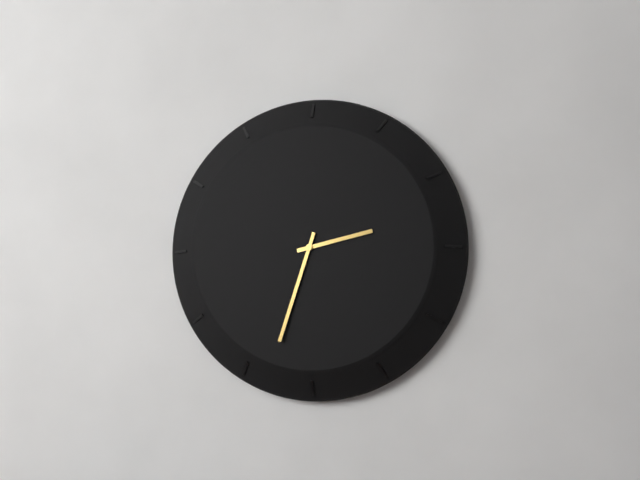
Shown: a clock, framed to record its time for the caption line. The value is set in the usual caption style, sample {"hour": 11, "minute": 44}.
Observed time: {"hour": 2, "minute": 33}
